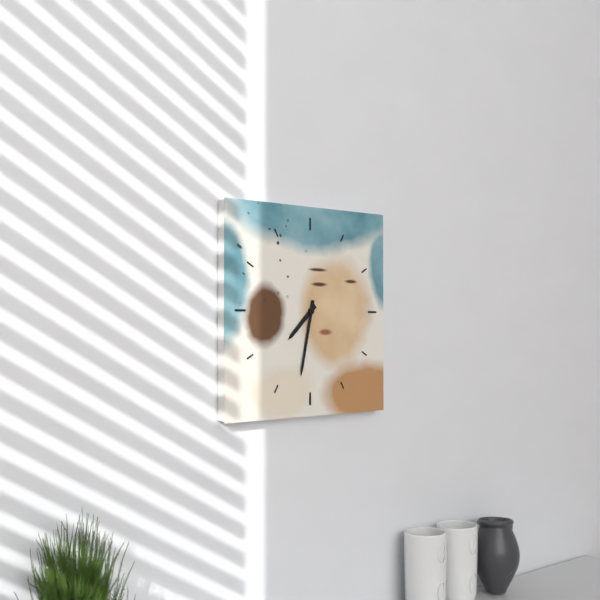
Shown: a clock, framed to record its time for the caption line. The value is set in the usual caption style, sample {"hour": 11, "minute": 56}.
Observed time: {"hour": 7, "minute": 32}
